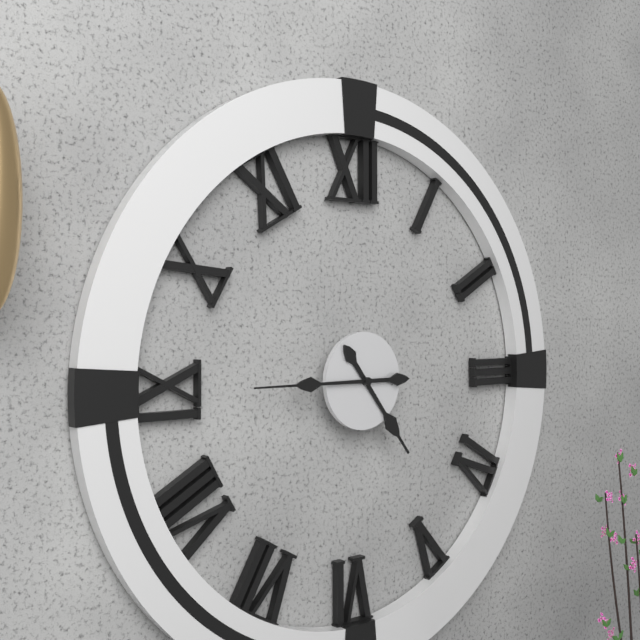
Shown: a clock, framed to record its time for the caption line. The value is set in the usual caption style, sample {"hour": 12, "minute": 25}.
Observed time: {"hour": 4, "minute": 45}
